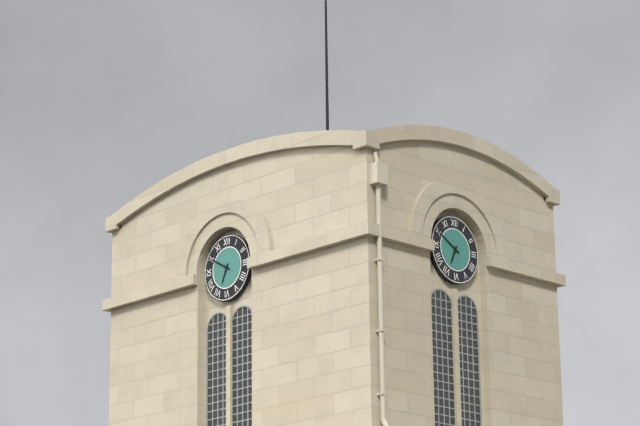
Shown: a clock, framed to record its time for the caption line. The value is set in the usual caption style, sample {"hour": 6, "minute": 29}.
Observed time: {"hour": 6, "minute": 50}
